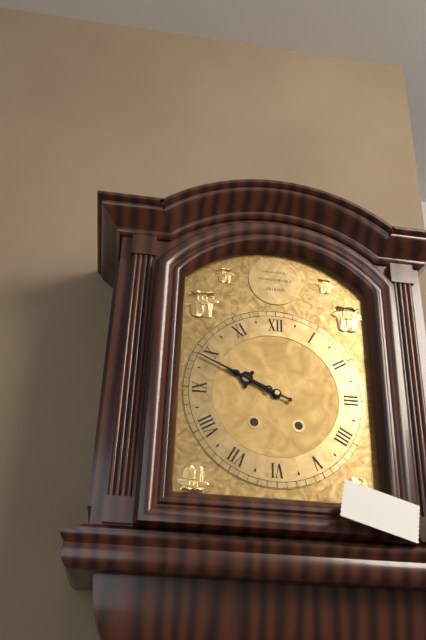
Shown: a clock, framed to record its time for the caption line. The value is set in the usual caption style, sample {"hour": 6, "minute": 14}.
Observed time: {"hour": 9, "minute": 49}
